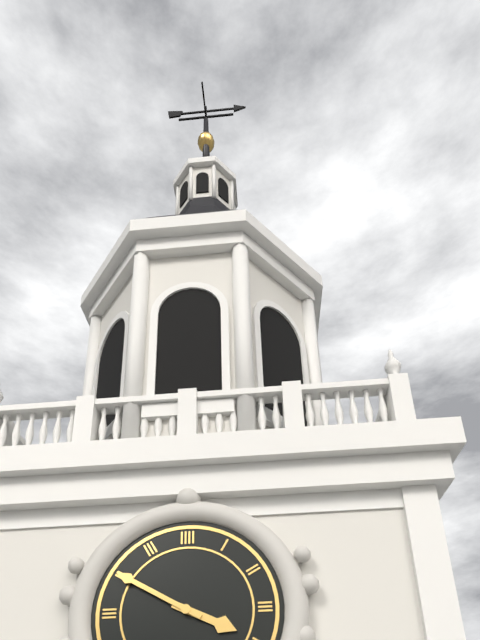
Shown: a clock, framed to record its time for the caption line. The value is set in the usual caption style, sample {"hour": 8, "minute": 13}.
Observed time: {"hour": 3, "minute": 50}
